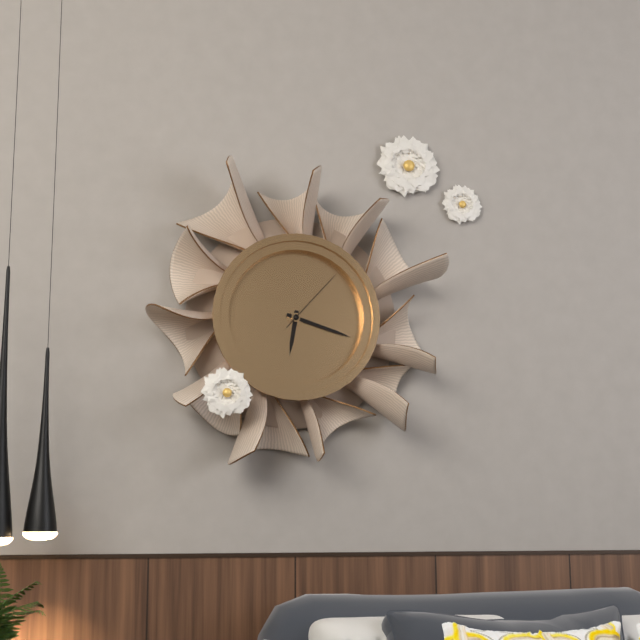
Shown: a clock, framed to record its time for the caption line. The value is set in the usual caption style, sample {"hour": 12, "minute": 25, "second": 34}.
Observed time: {"hour": 6, "minute": 18, "second": 7}
